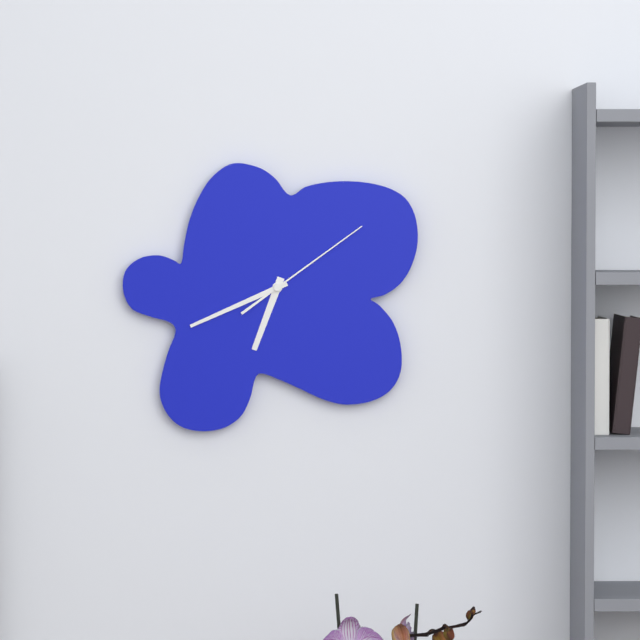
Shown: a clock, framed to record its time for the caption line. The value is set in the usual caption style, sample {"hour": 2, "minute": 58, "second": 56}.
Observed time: {"hour": 6, "minute": 41, "second": 9}
